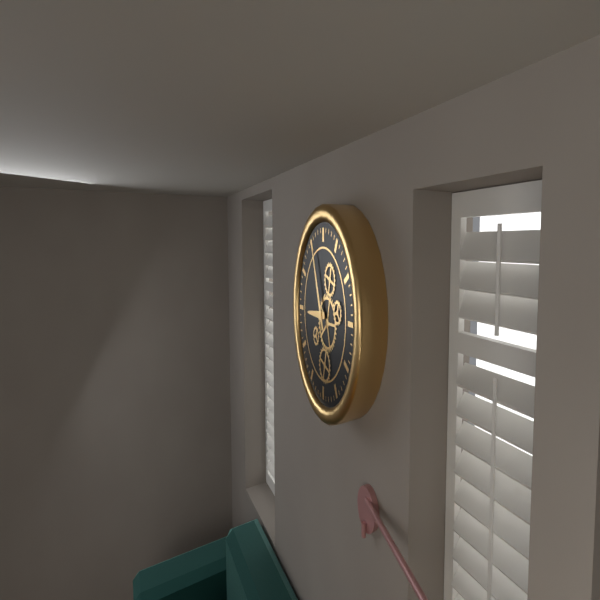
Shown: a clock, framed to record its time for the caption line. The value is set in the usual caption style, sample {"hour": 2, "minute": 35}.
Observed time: {"hour": 8, "minute": 56}
